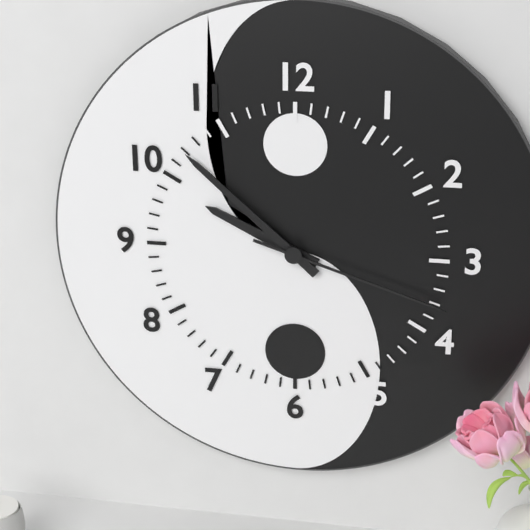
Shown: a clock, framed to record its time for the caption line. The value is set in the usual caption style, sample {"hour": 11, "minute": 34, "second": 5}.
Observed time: {"hour": 9, "minute": 52, "second": 18}
